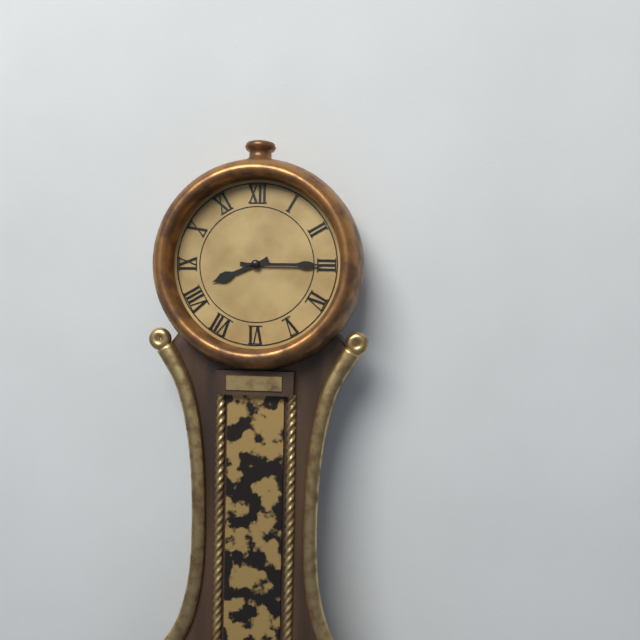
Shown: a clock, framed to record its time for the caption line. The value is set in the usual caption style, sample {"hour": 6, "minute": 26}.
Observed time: {"hour": 8, "minute": 15}
